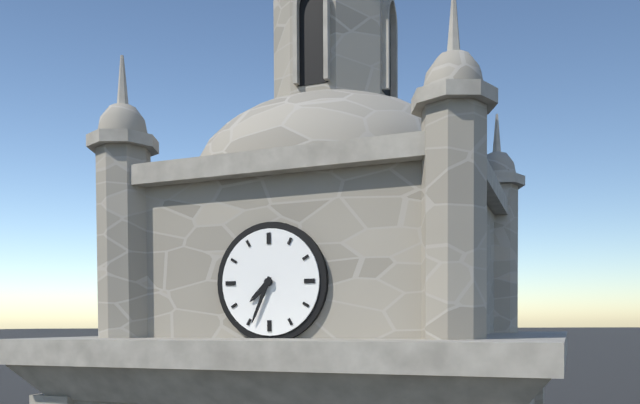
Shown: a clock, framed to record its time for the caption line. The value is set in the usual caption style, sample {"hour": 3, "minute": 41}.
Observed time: {"hour": 7, "minute": 34}
